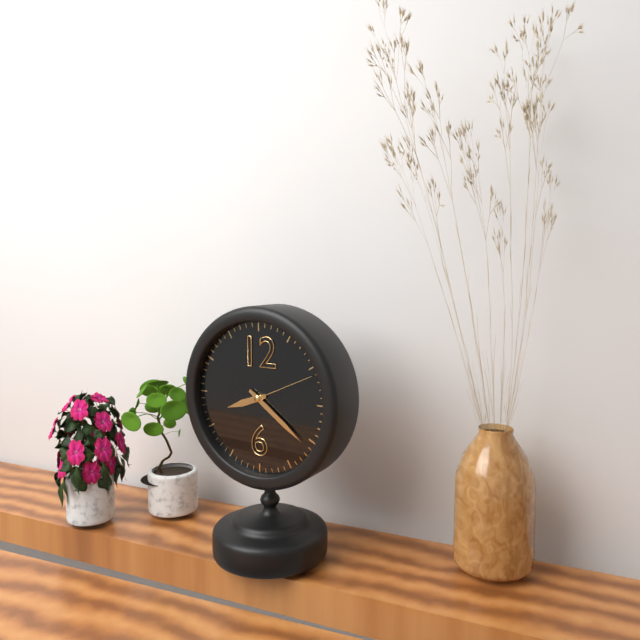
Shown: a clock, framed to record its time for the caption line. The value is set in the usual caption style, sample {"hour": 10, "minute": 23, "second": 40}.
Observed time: {"hour": 8, "minute": 21, "second": 11}
